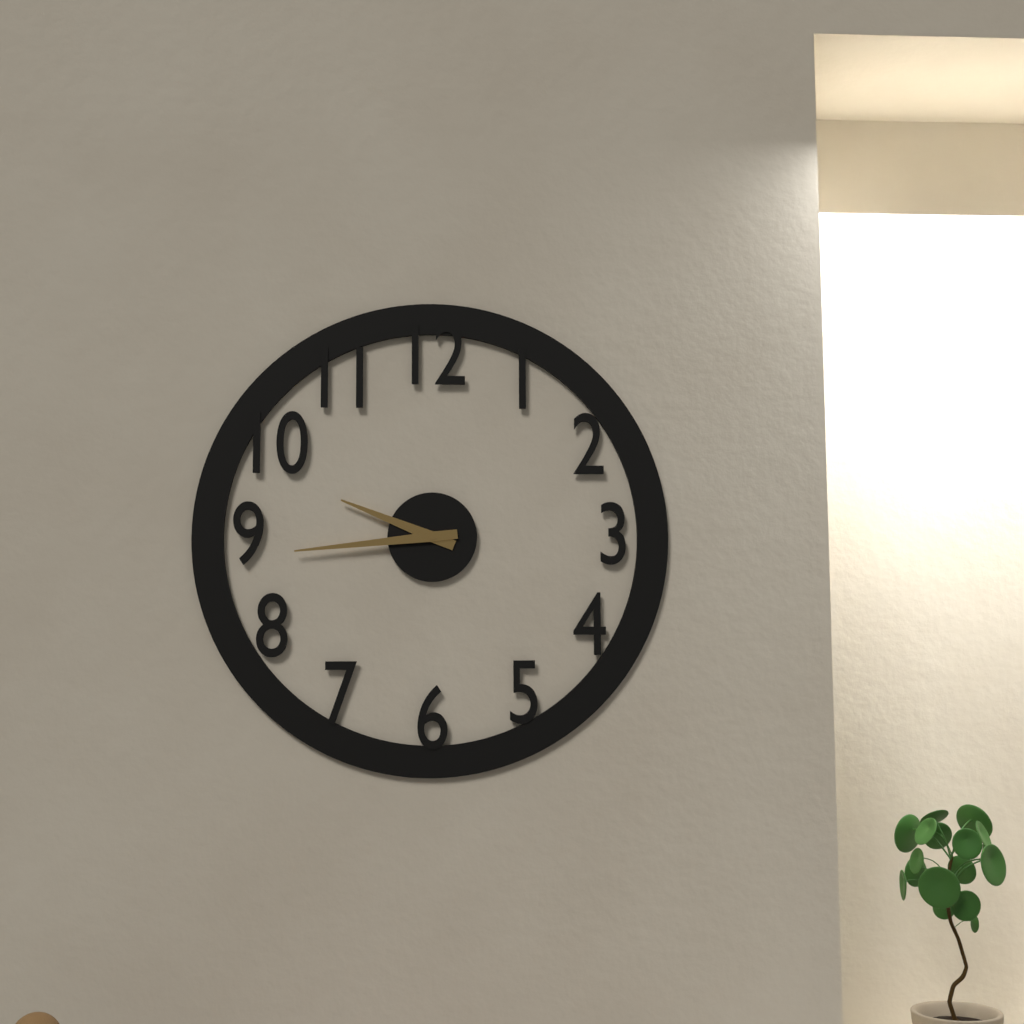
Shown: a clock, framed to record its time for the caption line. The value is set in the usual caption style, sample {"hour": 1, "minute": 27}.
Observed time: {"hour": 9, "minute": 44}
